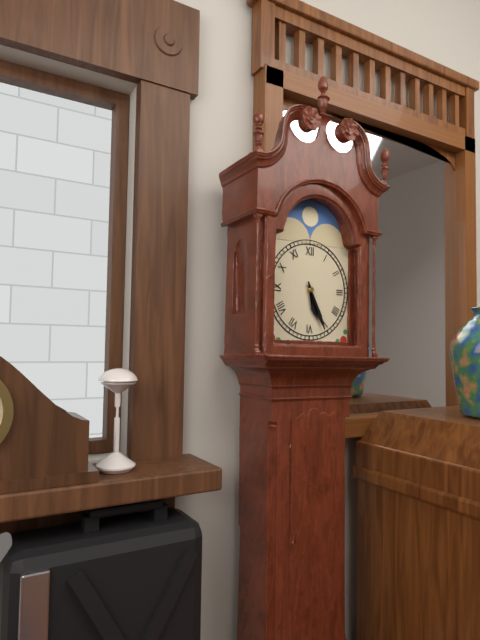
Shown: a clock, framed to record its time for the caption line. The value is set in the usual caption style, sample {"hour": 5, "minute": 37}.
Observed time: {"hour": 5, "minute": 26}
